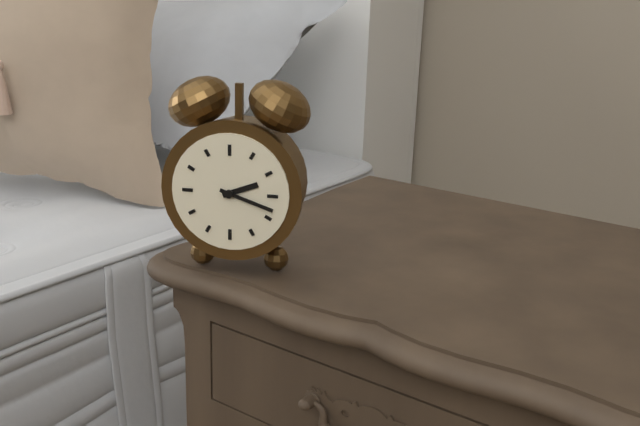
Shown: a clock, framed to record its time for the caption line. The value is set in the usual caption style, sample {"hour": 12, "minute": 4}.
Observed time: {"hour": 2, "minute": 18}
